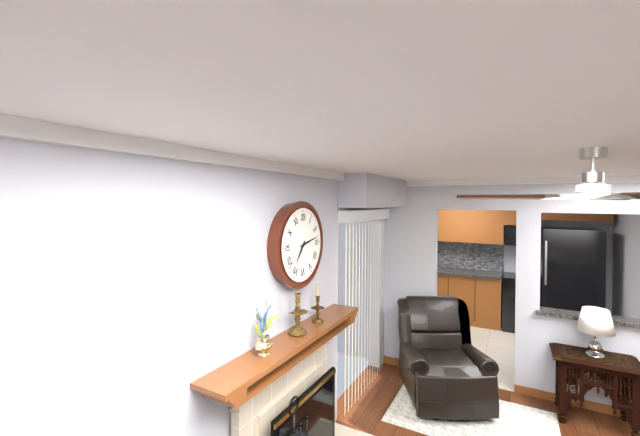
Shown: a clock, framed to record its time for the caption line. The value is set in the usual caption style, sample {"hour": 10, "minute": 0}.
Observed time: {"hour": 7, "minute": 13}
